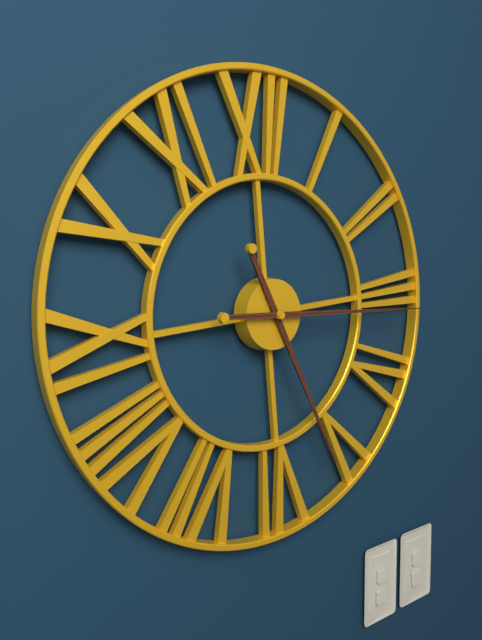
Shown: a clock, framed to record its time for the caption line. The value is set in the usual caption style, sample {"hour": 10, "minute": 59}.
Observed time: {"hour": 5, "minute": 16}
